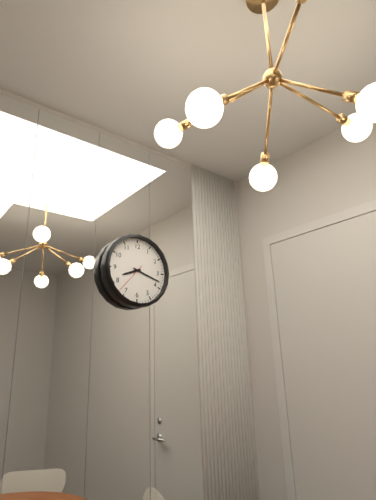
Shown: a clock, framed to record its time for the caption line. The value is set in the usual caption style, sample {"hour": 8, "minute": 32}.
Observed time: {"hour": 8, "minute": 18}
